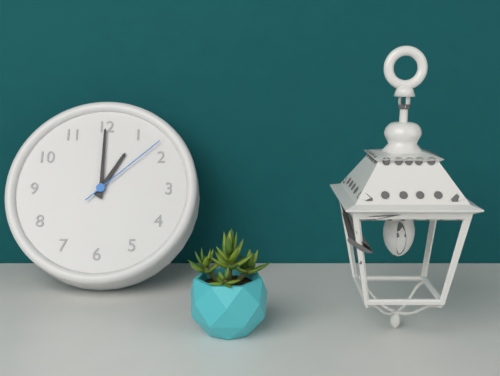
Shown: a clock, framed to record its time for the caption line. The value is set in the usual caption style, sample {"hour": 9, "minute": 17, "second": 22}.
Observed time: {"hour": 1, "minute": 0, "second": 8}
